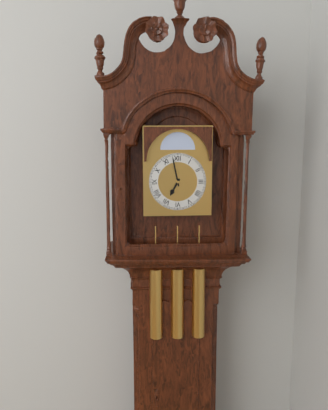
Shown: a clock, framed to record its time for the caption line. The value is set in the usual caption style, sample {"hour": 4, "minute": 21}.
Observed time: {"hour": 6, "minute": 58}
